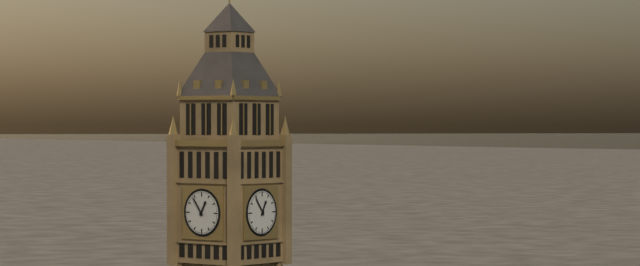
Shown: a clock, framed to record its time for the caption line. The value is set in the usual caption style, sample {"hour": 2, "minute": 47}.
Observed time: {"hour": 12, "minute": 54}
